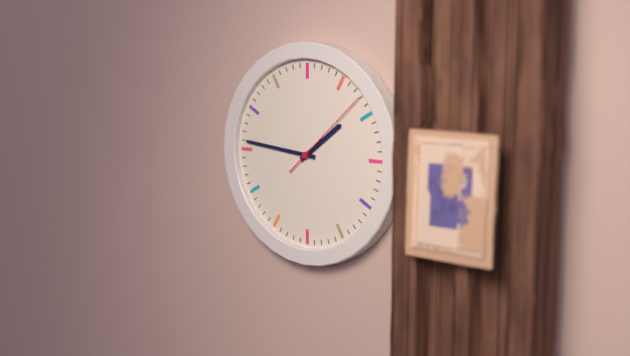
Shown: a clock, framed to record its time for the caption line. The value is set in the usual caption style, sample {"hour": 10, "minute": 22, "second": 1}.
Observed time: {"hour": 1, "minute": 46, "second": 8}
